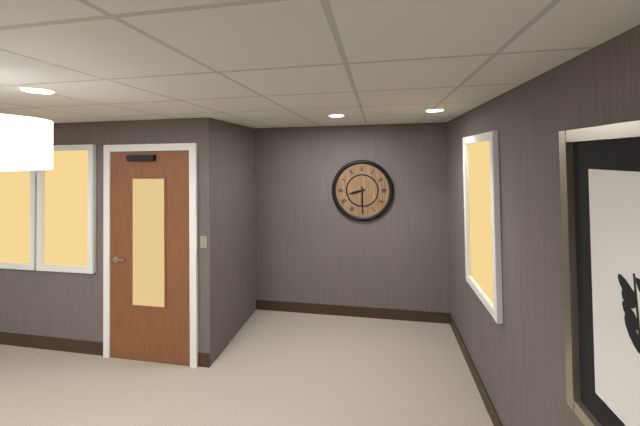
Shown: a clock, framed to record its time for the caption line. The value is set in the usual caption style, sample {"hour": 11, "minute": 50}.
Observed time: {"hour": 8, "minute": 30}
